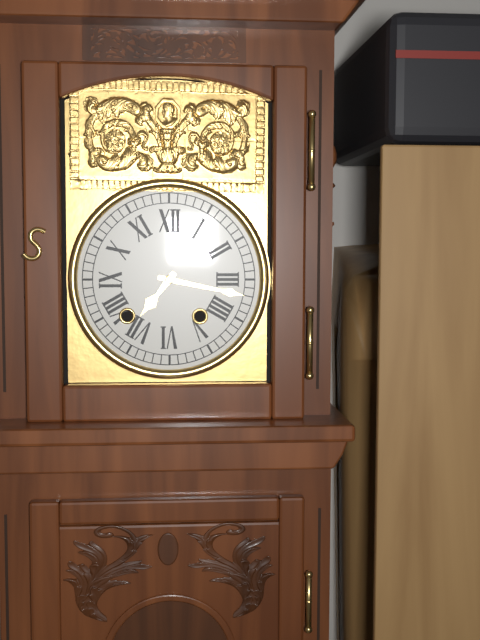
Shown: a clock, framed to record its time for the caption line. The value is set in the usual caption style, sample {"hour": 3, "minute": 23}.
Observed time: {"hour": 7, "minute": 17}
